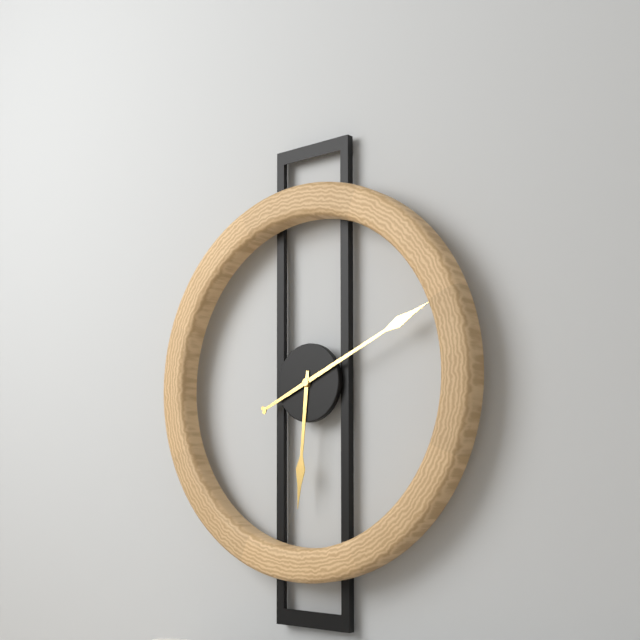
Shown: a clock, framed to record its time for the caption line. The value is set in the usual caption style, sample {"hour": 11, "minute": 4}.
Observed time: {"hour": 6, "minute": 11}
